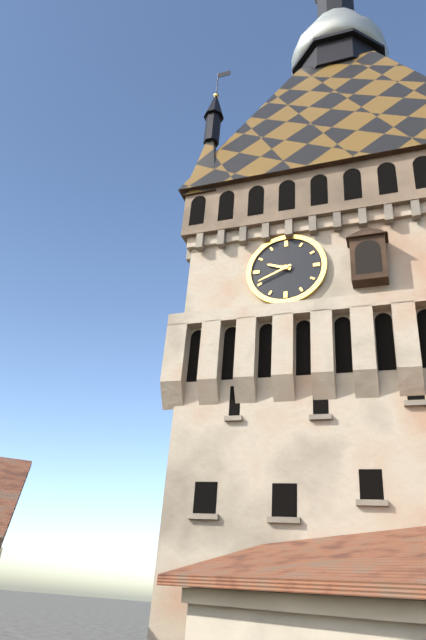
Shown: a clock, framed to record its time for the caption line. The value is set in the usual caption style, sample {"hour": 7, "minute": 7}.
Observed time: {"hour": 9, "minute": 41}
